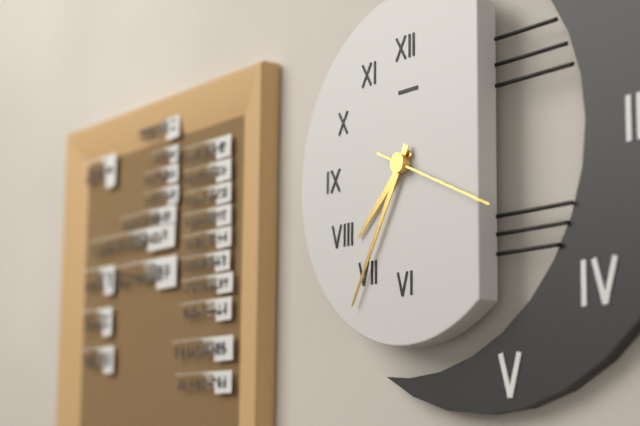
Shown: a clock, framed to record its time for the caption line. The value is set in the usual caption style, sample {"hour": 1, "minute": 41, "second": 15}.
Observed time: {"hour": 7, "minute": 35, "second": 19}
